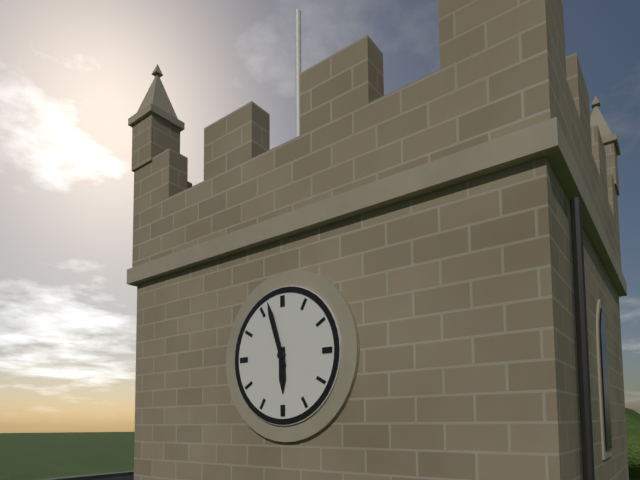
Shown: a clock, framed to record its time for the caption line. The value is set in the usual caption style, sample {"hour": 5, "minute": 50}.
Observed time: {"hour": 5, "minute": 57}
